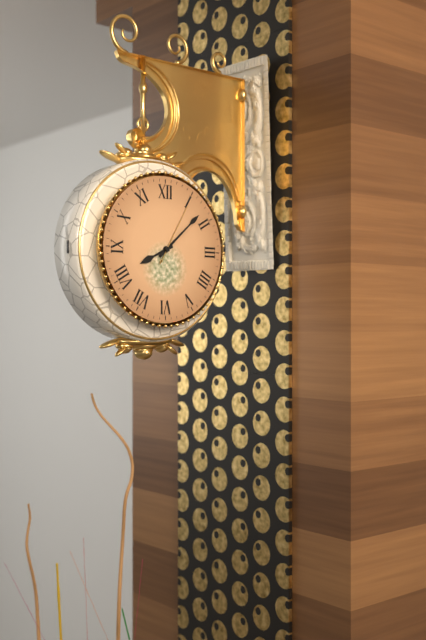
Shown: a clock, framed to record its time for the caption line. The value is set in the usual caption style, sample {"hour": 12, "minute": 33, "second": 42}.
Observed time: {"hour": 8, "minute": 8, "second": 5}
